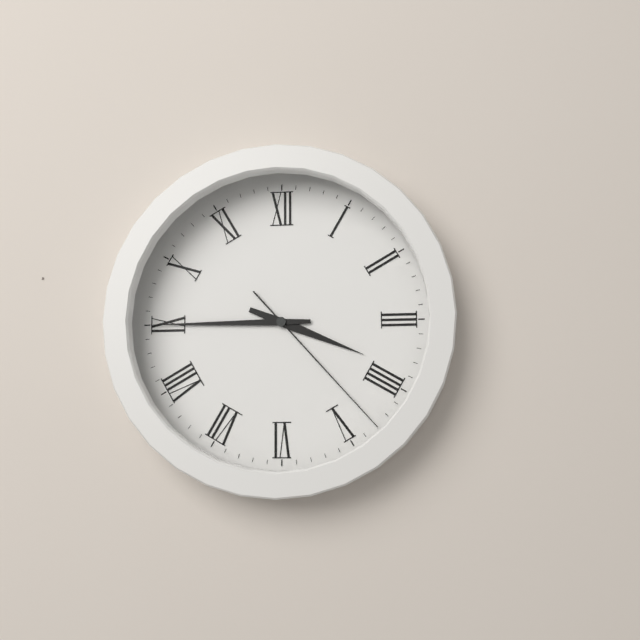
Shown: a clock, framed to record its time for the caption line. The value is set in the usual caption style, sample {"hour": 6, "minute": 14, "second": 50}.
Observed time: {"hour": 3, "minute": 45, "second": 23}
